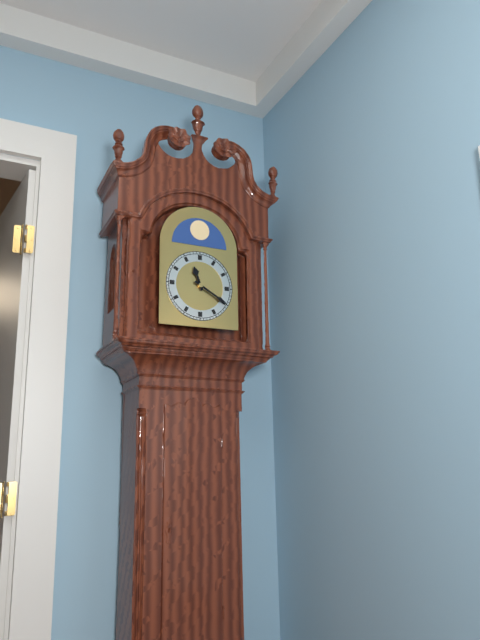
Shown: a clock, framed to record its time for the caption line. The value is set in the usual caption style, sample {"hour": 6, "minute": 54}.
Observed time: {"hour": 11, "minute": 20}
